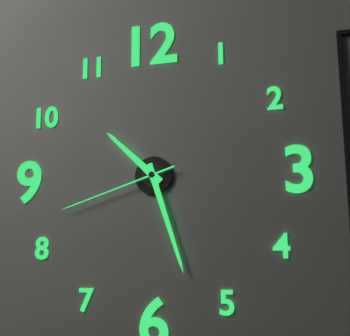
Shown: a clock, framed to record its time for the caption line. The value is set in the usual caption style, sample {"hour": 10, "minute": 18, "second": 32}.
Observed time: {"hour": 10, "minute": 27, "second": 42}
